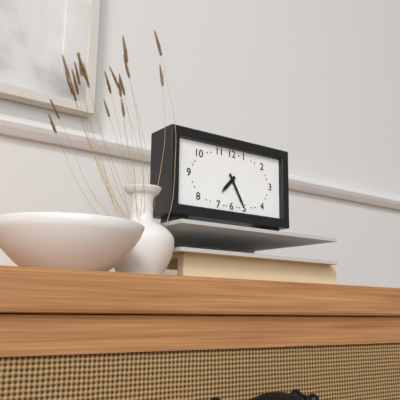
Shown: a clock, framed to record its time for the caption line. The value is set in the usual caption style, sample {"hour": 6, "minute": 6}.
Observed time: {"hour": 7, "minute": 25}
